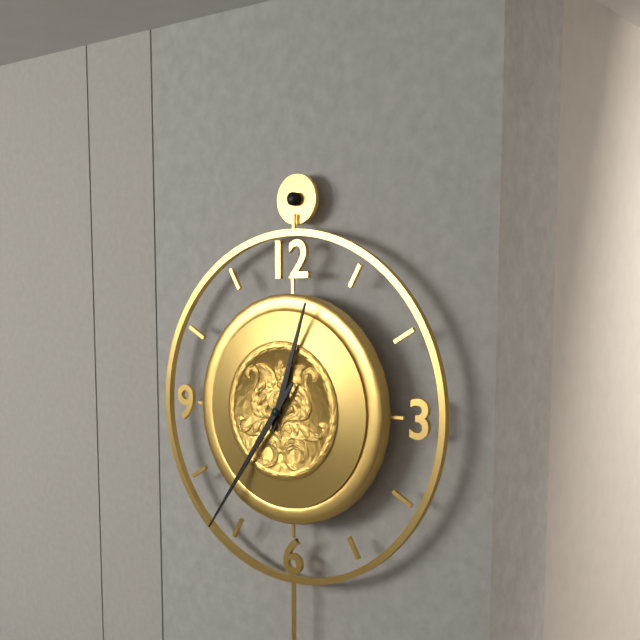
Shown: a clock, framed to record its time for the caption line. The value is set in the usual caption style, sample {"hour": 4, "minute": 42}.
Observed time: {"hour": 12, "minute": 36}
